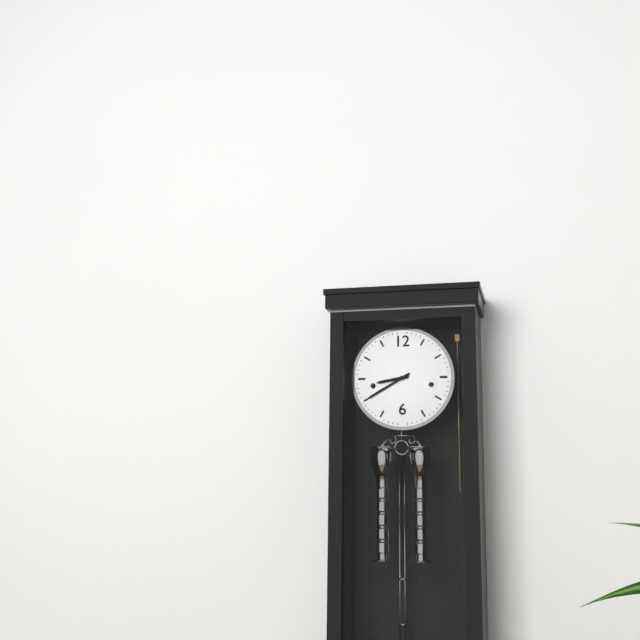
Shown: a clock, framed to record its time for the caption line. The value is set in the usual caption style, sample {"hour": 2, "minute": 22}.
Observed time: {"hour": 8, "minute": 40}
